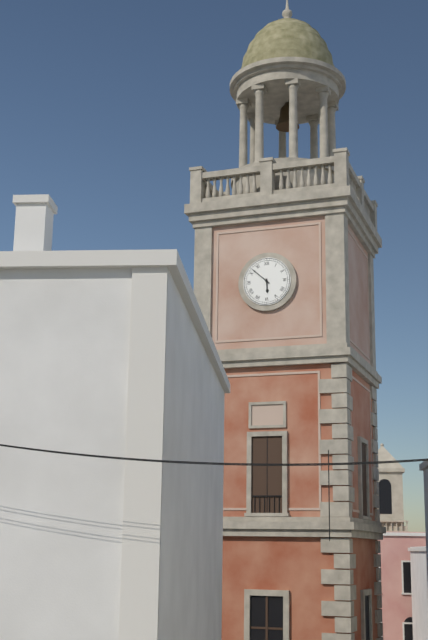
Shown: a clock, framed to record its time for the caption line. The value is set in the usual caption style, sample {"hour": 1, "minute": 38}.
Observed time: {"hour": 5, "minute": 52}
